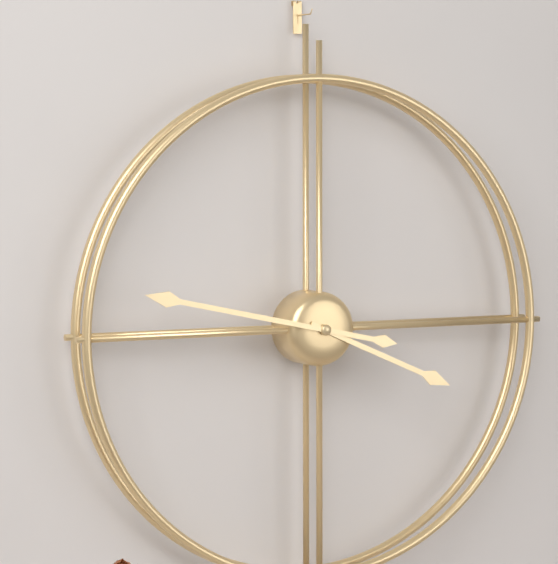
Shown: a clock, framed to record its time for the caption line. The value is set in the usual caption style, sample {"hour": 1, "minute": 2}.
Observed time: {"hour": 3, "minute": 47}
